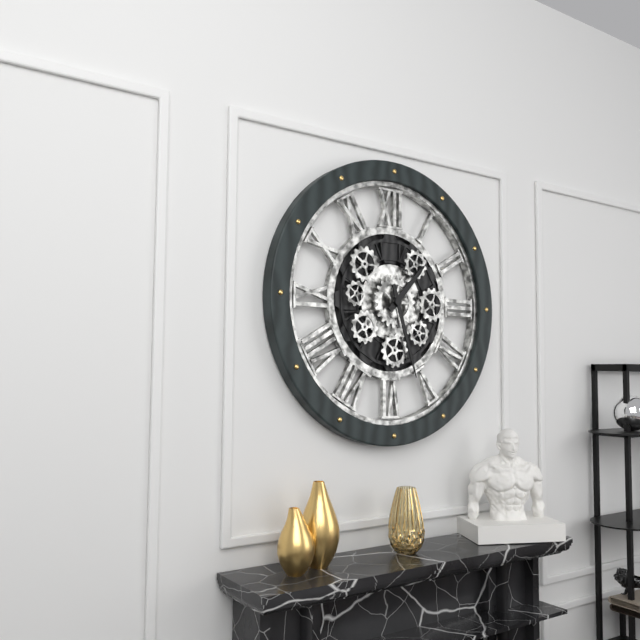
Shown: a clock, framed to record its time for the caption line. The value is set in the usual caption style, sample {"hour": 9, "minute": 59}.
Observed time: {"hour": 1, "minute": 27}
